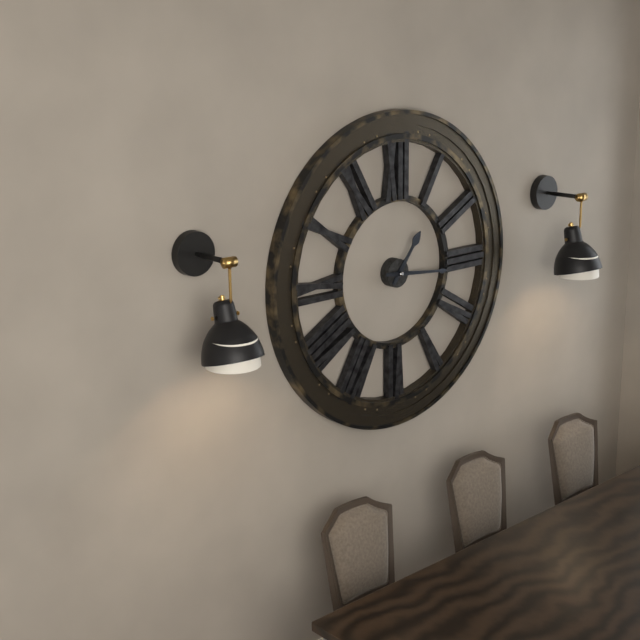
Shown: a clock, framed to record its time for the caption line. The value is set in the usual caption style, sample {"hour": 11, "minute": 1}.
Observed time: {"hour": 1, "minute": 16}
